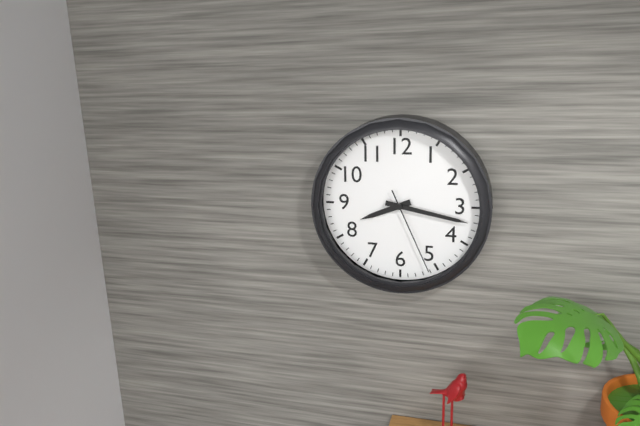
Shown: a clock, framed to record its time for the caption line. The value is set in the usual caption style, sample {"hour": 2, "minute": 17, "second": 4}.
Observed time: {"hour": 8, "minute": 17, "second": 26}
